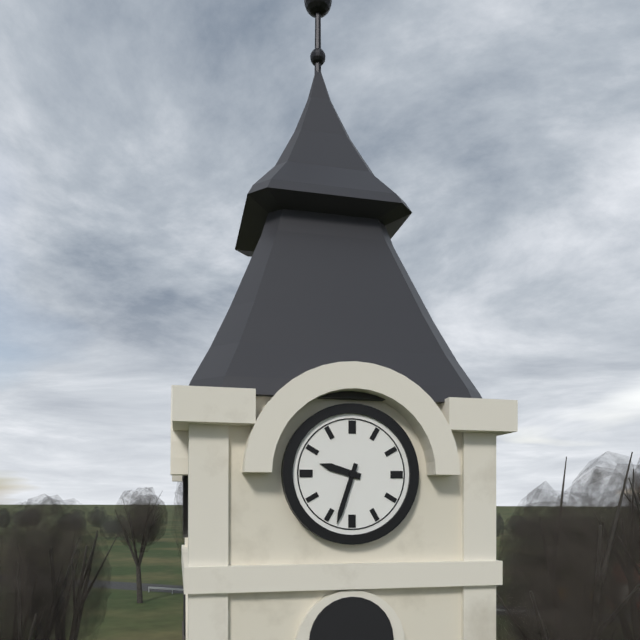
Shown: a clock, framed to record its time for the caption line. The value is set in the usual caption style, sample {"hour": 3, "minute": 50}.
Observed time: {"hour": 9, "minute": 33}
